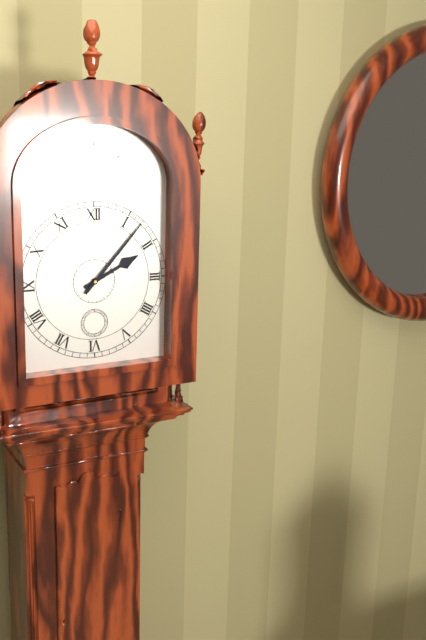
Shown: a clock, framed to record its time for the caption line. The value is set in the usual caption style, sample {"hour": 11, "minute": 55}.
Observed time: {"hour": 2, "minute": 7}
